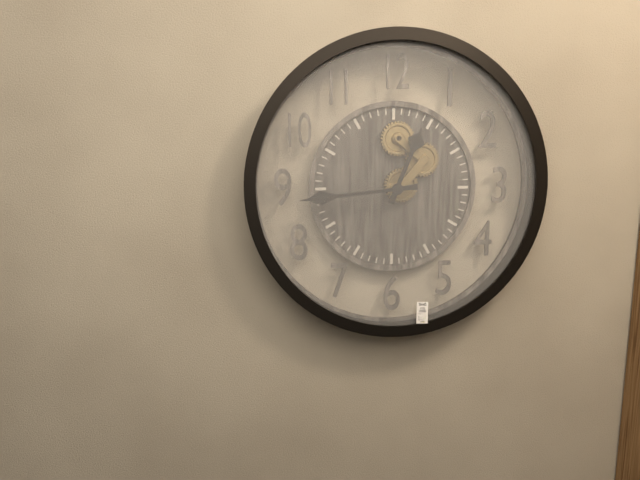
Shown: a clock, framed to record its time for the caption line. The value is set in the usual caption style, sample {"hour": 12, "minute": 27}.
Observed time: {"hour": 12, "minute": 44}
